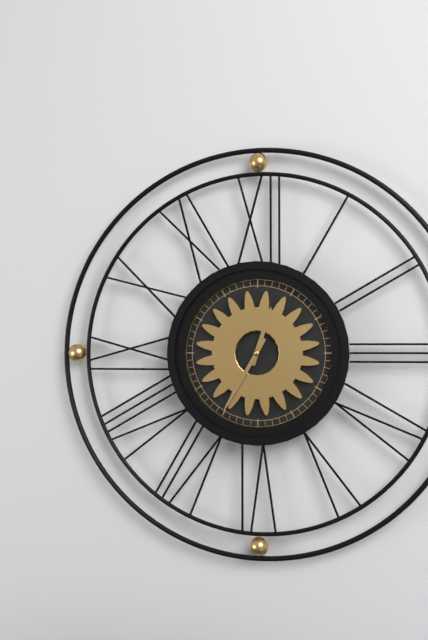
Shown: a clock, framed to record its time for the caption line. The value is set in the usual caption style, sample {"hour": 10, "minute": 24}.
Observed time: {"hour": 12, "minute": 35}
